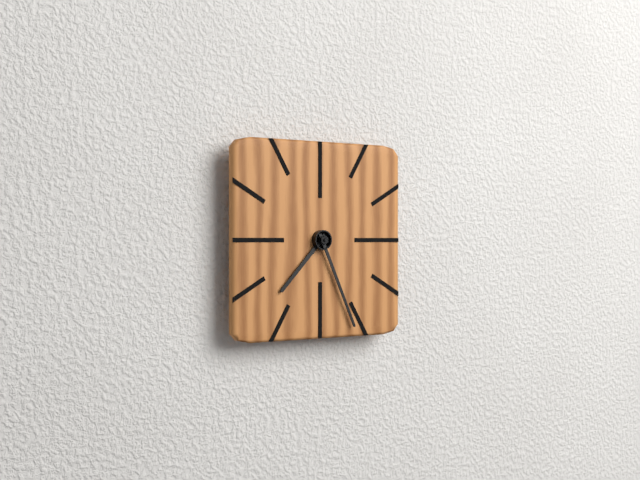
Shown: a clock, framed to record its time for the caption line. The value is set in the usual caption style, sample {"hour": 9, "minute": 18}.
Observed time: {"hour": 7, "minute": 26}
